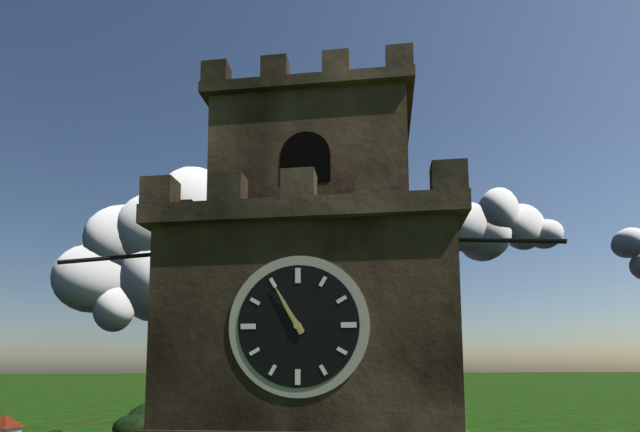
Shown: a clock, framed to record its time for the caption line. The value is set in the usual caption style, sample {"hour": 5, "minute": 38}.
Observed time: {"hour": 10, "minute": 55}
